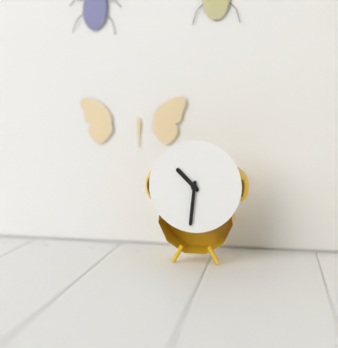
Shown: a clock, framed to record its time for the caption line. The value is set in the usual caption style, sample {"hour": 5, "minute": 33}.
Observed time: {"hour": 10, "minute": 31}
